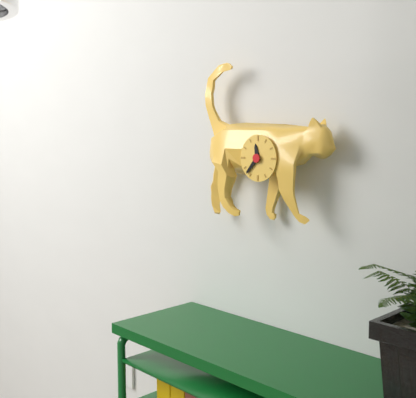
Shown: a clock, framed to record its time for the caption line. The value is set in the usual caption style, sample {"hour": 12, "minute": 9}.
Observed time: {"hour": 11, "minute": 37}
